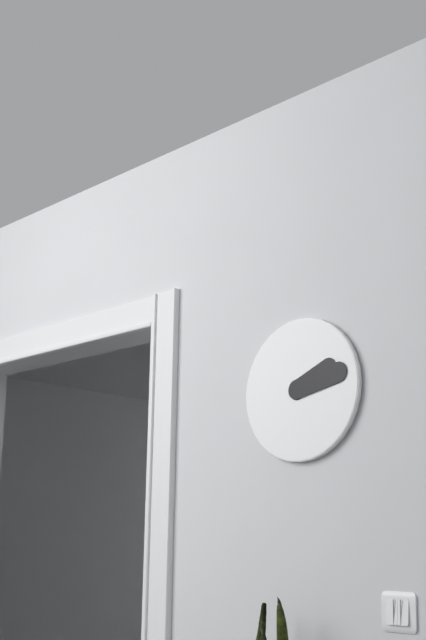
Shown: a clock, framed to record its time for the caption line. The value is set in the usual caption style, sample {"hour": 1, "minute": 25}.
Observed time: {"hour": 2, "minute": 13}
